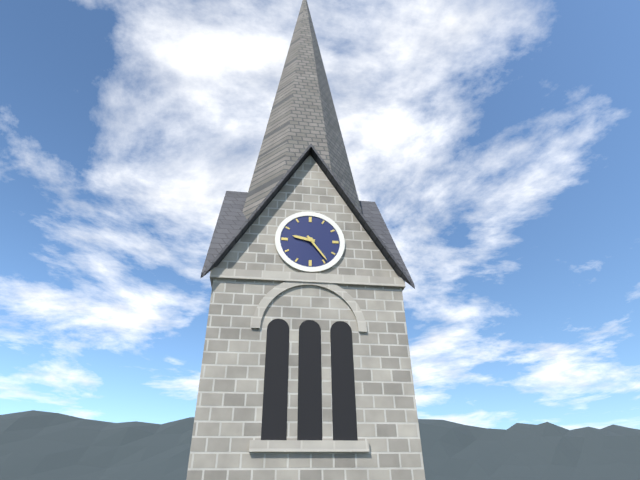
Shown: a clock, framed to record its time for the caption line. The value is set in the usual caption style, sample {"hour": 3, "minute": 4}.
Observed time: {"hour": 9, "minute": 24}
